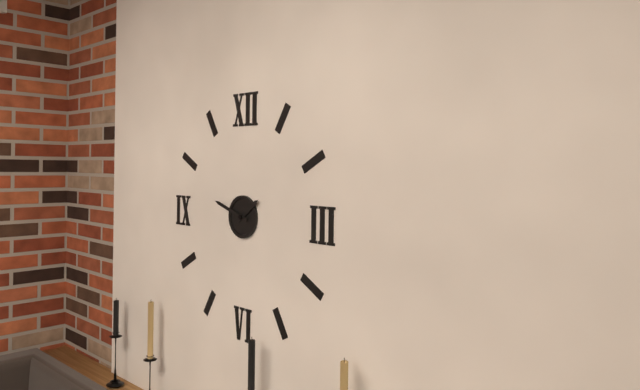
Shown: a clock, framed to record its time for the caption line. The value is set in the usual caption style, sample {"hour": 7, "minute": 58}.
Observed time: {"hour": 1, "minute": 48}
